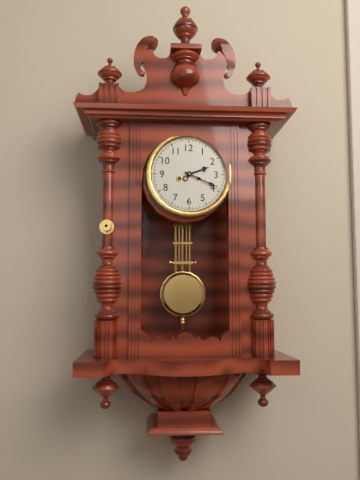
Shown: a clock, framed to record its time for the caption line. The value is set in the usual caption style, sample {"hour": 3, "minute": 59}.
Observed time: {"hour": 2, "minute": 19}
